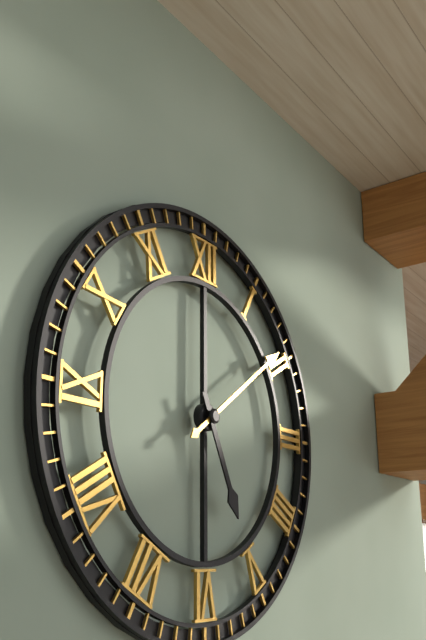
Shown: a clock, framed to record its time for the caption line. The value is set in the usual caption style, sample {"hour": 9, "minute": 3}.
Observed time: {"hour": 5, "minute": 9}
